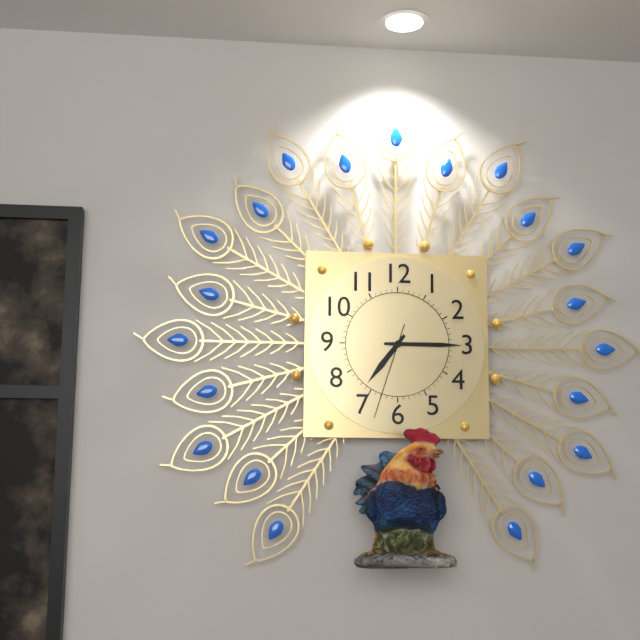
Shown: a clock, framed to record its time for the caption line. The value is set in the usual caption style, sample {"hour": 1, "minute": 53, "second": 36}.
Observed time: {"hour": 7, "minute": 15, "second": 33}
